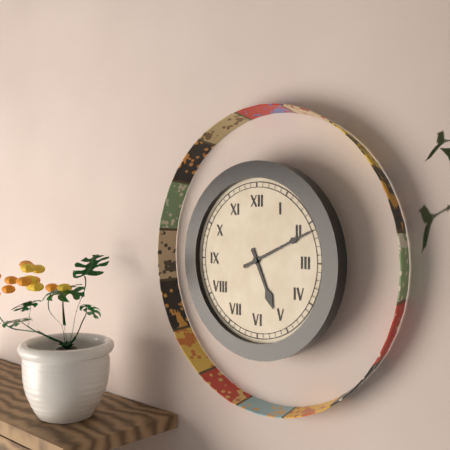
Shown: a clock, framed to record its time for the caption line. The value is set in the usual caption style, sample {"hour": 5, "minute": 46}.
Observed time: {"hour": 5, "minute": 11}
